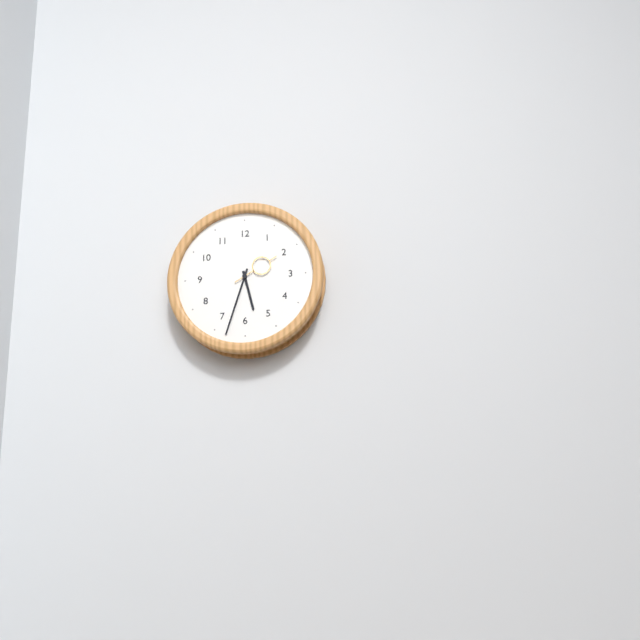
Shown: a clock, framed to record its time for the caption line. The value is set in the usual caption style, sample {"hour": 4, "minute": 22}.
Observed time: {"hour": 5, "minute": 33}
